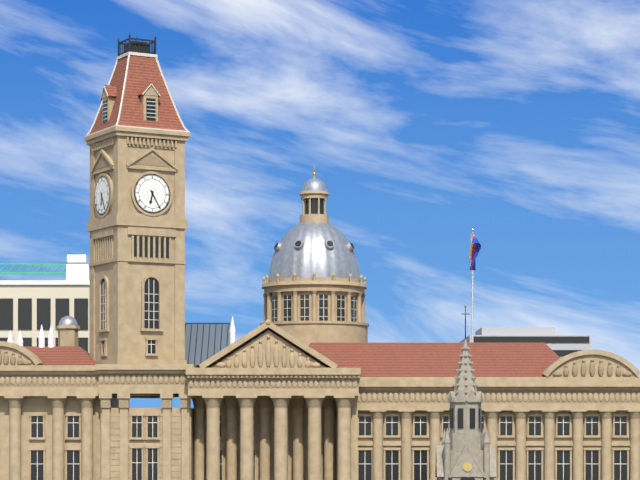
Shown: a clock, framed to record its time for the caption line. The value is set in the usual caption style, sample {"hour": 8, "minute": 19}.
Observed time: {"hour": 6, "minute": 25}
